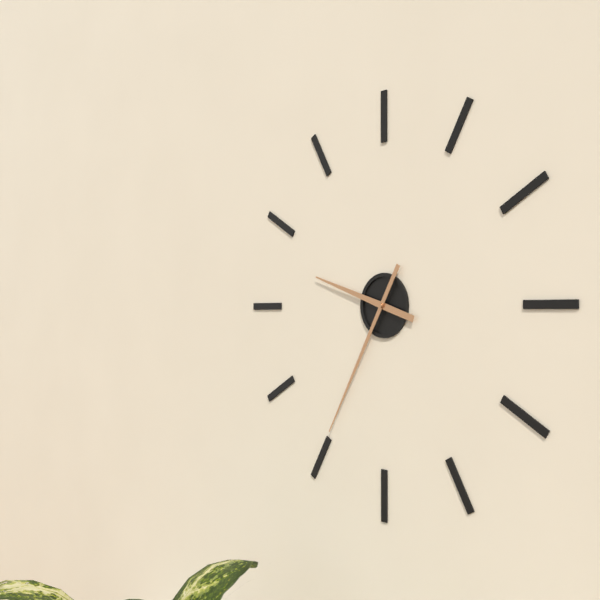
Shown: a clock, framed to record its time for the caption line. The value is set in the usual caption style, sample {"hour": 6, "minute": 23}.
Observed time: {"hour": 9, "minute": 35}
